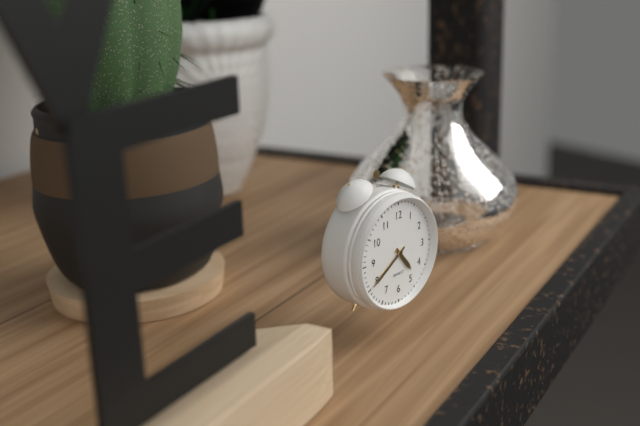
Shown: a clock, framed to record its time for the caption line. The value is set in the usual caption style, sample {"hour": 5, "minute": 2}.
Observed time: {"hour": 4, "minute": 40}
